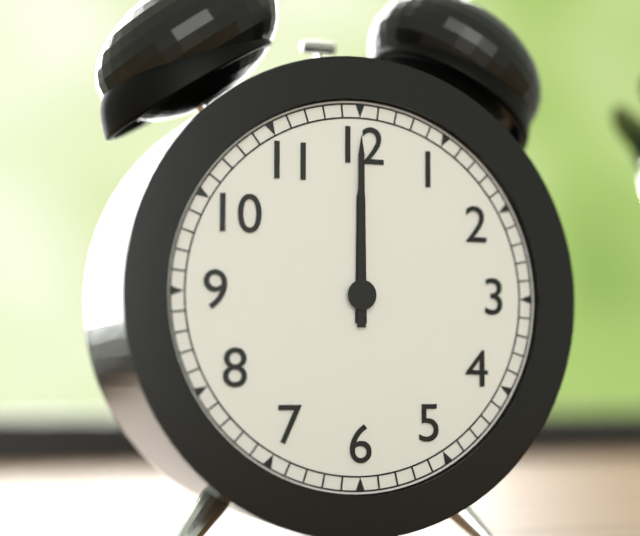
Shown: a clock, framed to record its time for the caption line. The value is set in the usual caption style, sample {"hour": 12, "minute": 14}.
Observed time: {"hour": 12, "minute": 0}
